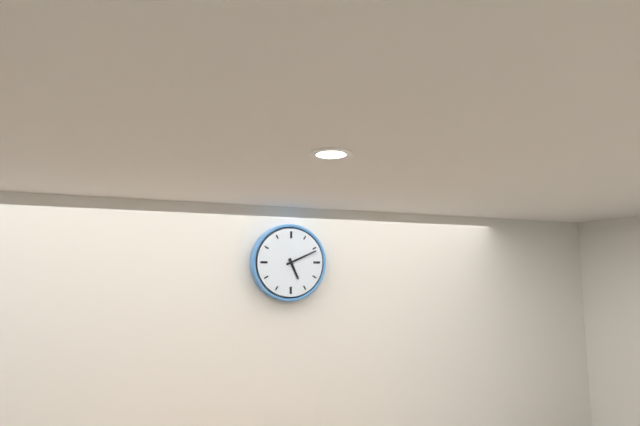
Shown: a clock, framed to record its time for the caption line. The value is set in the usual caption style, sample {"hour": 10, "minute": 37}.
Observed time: {"hour": 5, "minute": 11}
